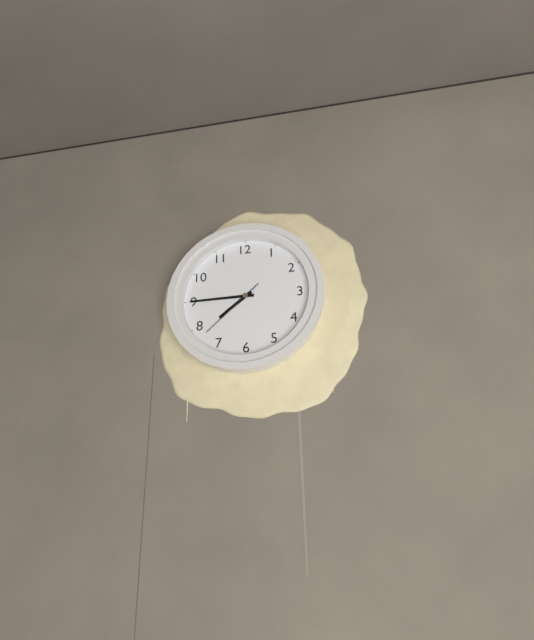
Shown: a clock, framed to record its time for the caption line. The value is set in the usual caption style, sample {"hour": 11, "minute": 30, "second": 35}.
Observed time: {"hour": 7, "minute": 45, "second": 38}
